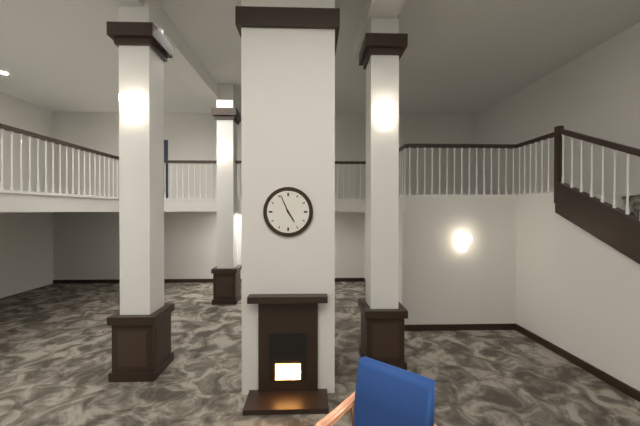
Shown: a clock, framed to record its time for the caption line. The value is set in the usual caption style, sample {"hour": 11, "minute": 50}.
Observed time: {"hour": 4, "minute": 56}
